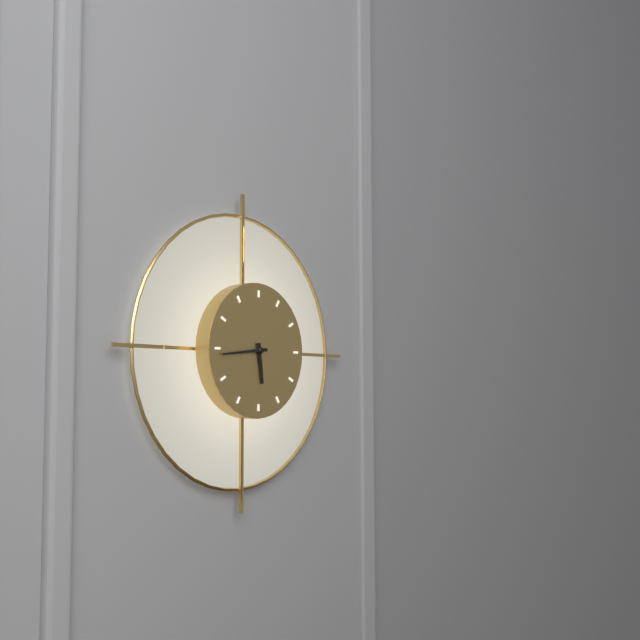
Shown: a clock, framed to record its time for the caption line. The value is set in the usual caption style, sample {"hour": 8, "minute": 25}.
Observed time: {"hour": 5, "minute": 44}
